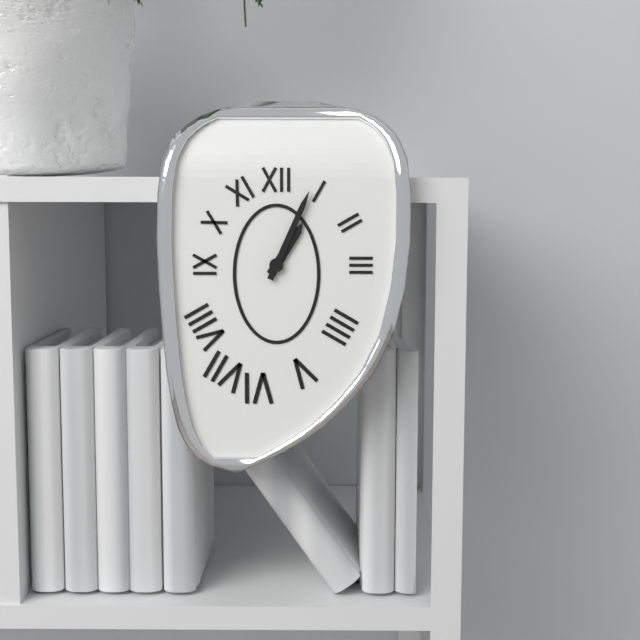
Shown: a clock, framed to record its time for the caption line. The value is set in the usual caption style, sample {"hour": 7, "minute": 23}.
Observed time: {"hour": 1, "minute": 4}
